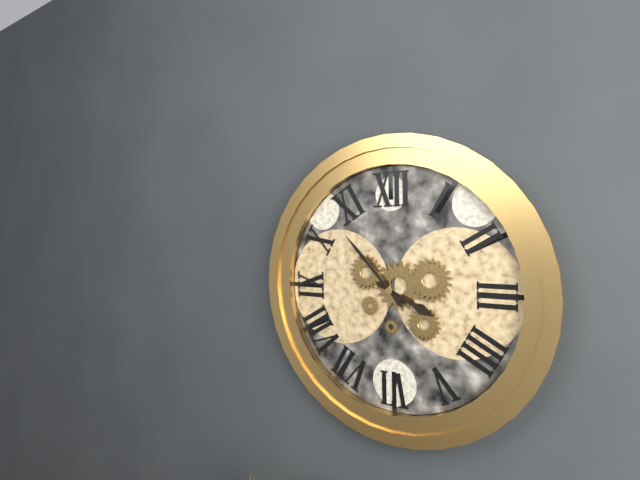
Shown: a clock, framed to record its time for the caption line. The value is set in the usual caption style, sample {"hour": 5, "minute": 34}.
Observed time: {"hour": 3, "minute": 53}
